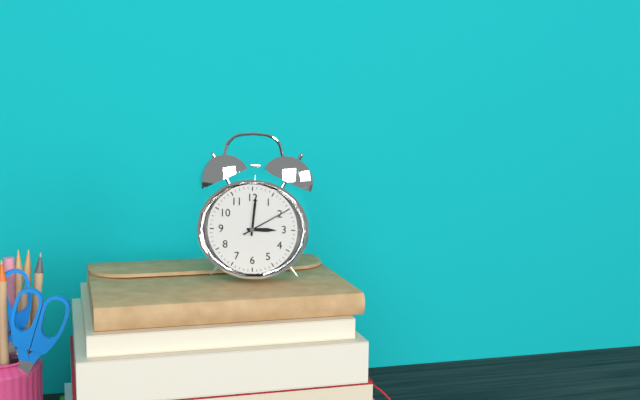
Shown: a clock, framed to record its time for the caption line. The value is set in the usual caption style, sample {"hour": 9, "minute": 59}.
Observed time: {"hour": 3, "minute": 1}
